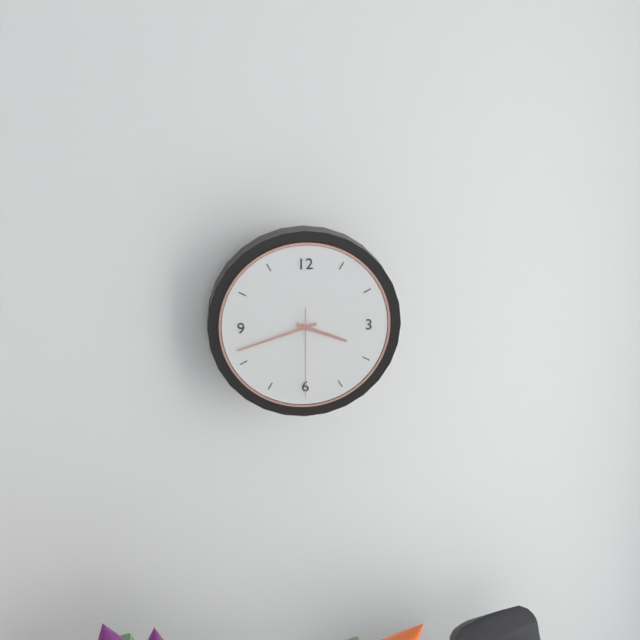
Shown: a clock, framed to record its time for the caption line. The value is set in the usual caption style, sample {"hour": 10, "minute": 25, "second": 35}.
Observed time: {"hour": 3, "minute": 42, "second": 30}
